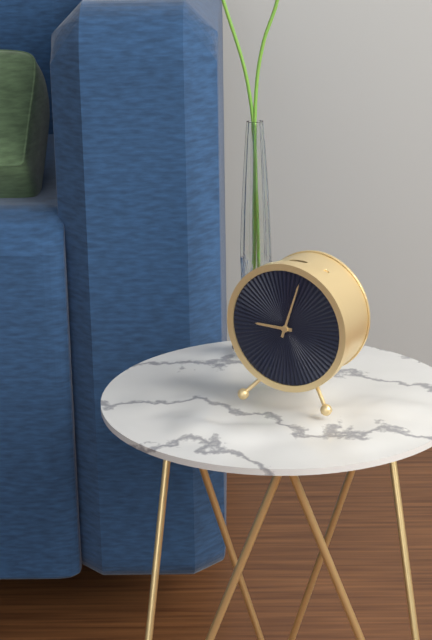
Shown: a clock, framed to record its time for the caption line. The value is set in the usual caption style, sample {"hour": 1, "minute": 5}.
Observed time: {"hour": 9, "minute": 3}
